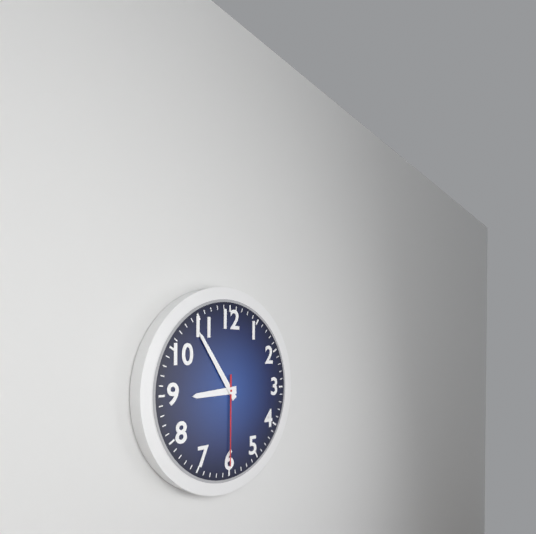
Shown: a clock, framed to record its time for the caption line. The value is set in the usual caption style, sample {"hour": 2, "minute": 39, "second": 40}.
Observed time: {"hour": 8, "minute": 54, "second": 30}
